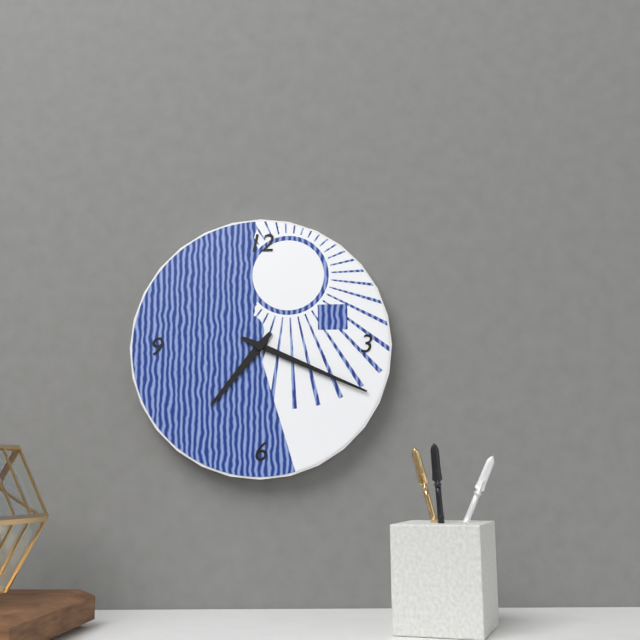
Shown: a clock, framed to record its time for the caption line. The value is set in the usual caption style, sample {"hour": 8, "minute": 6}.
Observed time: {"hour": 7, "minute": 19}
